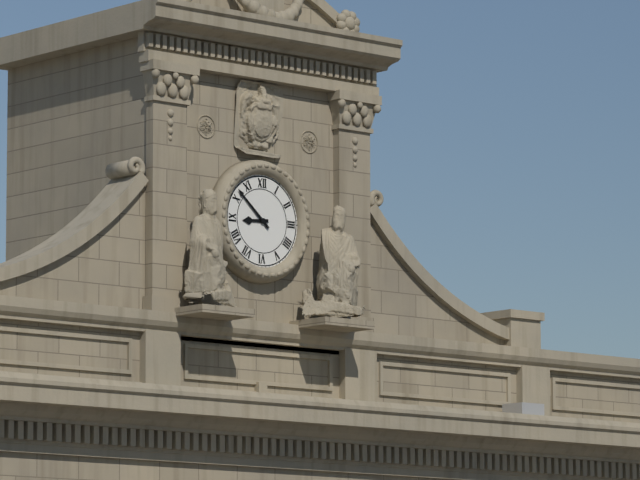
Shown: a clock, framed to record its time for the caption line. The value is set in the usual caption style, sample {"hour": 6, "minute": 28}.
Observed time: {"hour": 8, "minute": 52}
